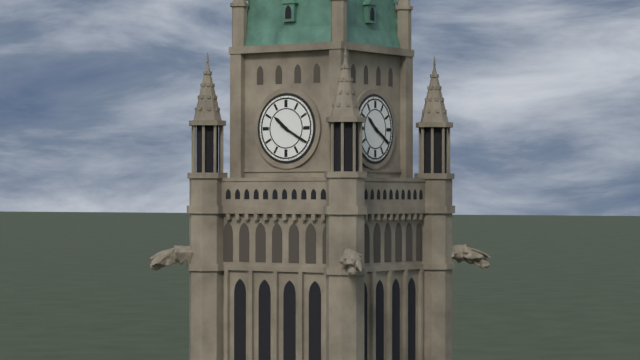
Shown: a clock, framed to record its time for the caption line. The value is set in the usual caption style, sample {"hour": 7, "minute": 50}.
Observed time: {"hour": 10, "minute": 20}
